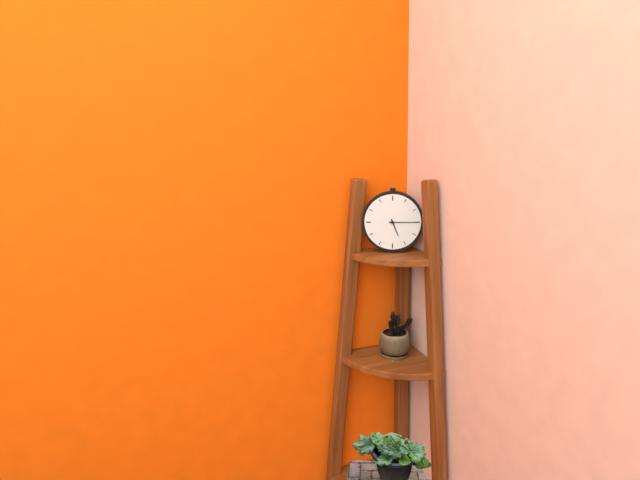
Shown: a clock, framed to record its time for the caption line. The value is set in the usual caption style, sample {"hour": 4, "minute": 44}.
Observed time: {"hour": 5, "minute": 15}
